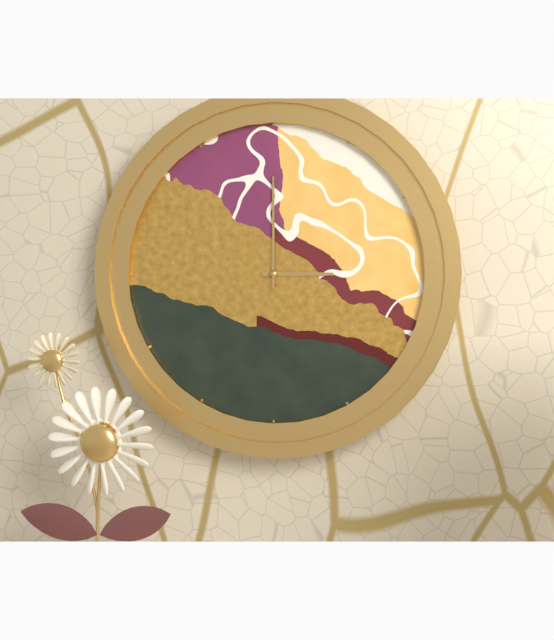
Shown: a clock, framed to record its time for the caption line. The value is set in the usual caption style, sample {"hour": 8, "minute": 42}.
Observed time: {"hour": 3, "minute": 0}
